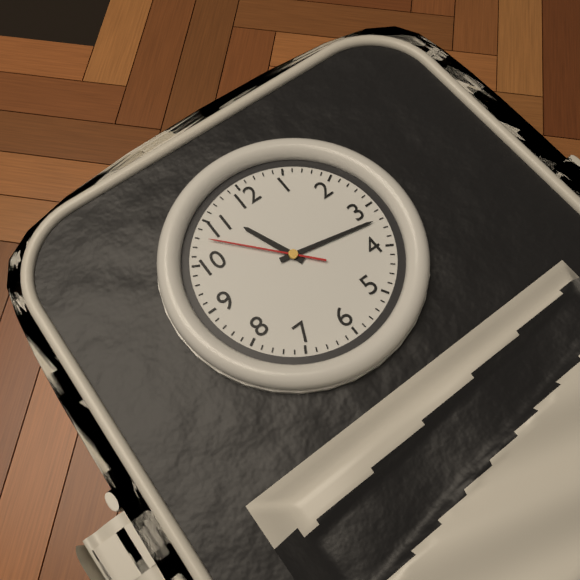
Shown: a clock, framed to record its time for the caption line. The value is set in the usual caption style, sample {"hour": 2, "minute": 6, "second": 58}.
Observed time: {"hour": 11, "minute": 17, "second": 53}
